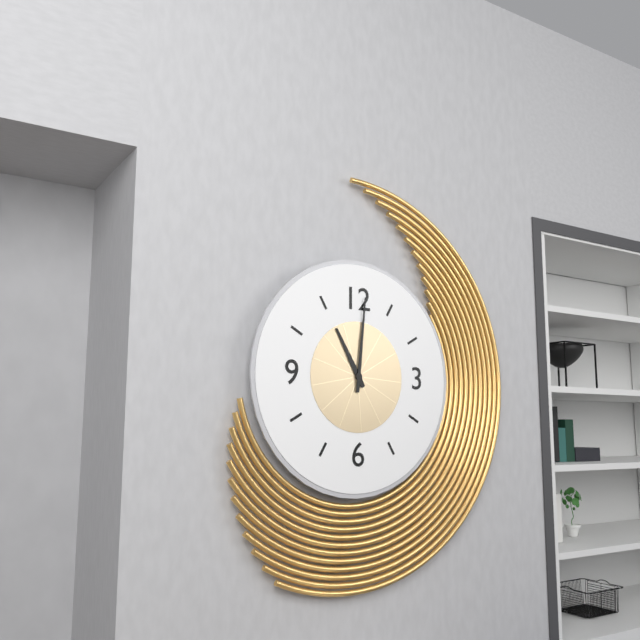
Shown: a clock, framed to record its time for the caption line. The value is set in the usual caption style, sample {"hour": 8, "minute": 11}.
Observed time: {"hour": 11, "minute": 1}
